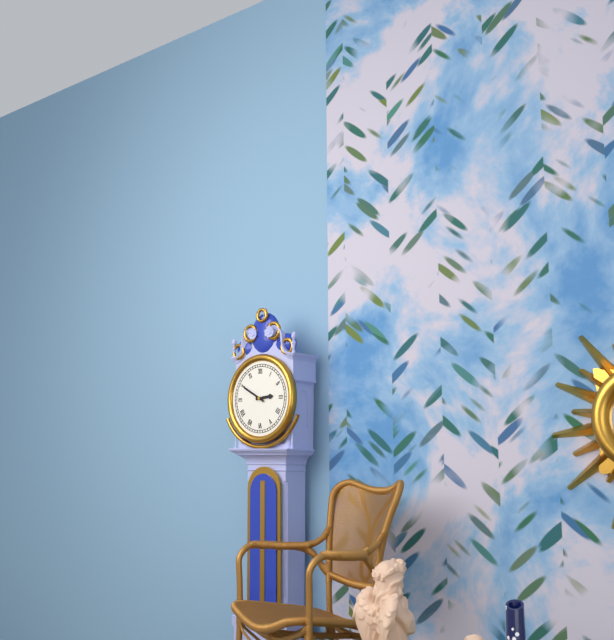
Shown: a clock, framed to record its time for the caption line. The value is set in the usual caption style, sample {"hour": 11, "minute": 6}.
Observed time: {"hour": 2, "minute": 50}
